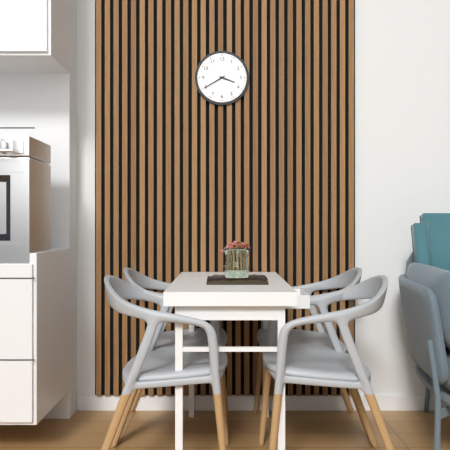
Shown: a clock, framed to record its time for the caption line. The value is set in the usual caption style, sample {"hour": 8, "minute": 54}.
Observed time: {"hour": 3, "minute": 40}
